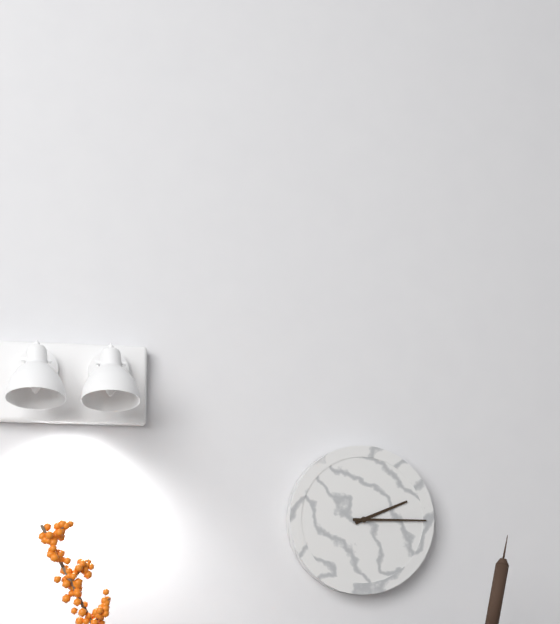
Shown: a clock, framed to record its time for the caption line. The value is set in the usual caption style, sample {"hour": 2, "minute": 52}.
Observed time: {"hour": 2, "minute": 15}
